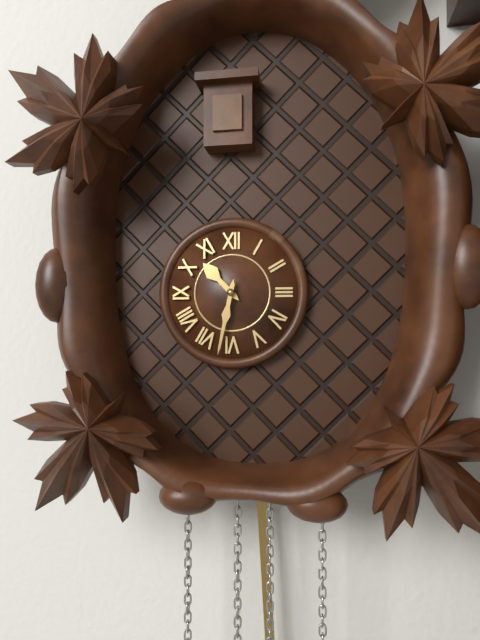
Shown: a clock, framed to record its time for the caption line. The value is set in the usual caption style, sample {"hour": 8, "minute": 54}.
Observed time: {"hour": 10, "minute": 32}
